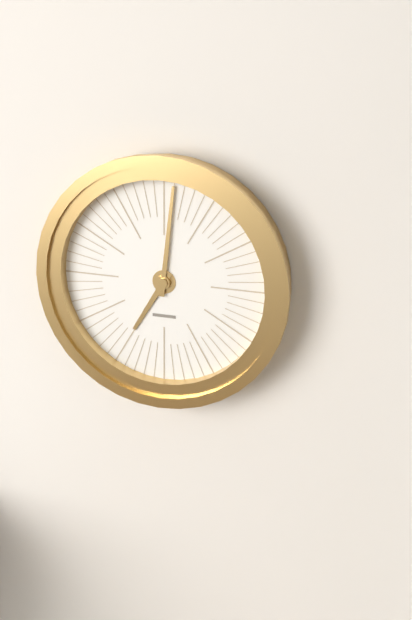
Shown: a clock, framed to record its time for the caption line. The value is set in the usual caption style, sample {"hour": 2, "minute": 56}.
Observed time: {"hour": 7, "minute": 1}
